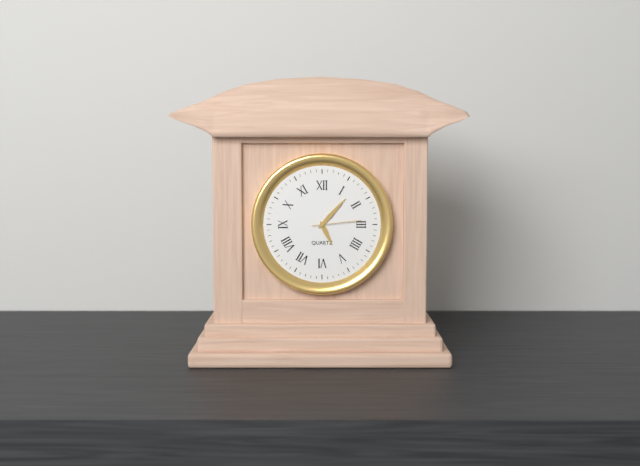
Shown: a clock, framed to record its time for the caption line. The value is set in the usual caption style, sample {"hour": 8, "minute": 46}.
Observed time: {"hour": 5, "minute": 7}
